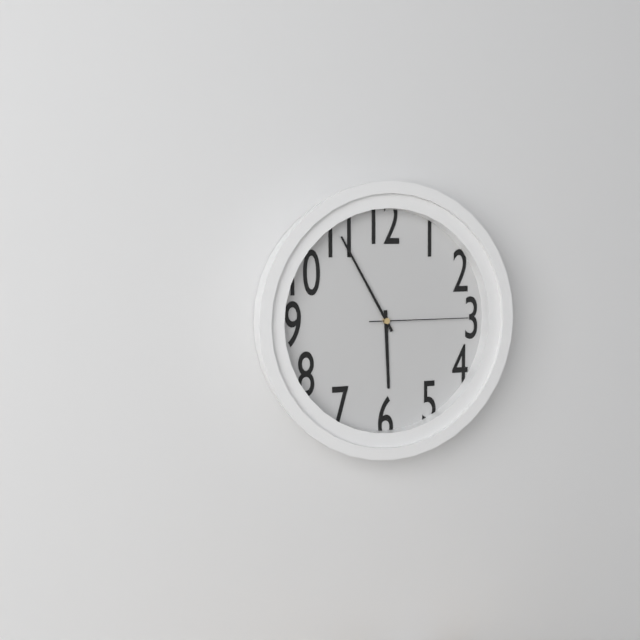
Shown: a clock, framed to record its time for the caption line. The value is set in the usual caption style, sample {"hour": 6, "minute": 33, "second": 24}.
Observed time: {"hour": 5, "minute": 55, "second": 15}
